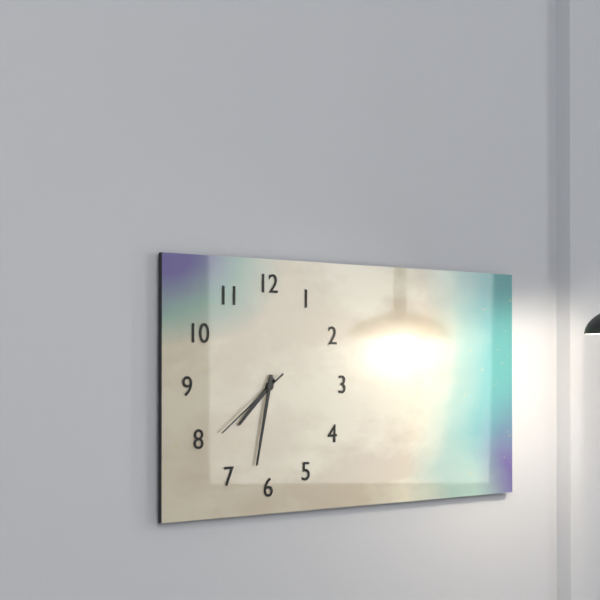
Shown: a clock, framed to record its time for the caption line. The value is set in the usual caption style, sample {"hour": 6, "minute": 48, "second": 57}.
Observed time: {"hour": 7, "minute": 32, "second": 39}
